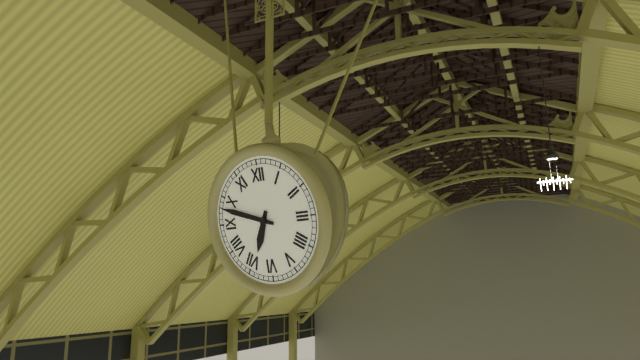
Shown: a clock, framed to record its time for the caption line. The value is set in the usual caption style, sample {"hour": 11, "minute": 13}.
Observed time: {"hour": 6, "minute": 48}
